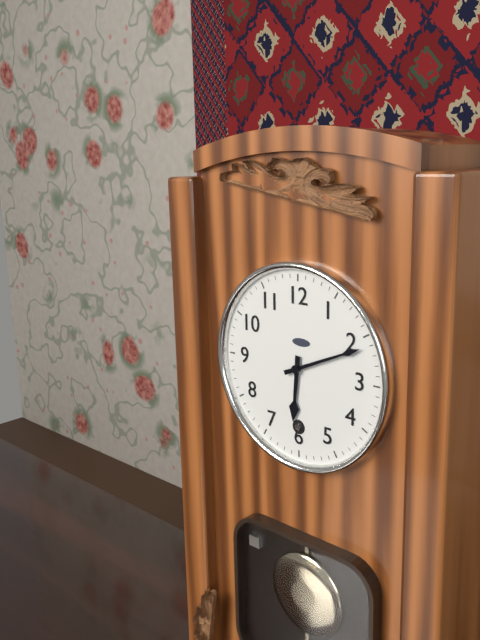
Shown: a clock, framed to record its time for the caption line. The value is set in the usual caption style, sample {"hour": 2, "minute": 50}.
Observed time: {"hour": 6, "minute": 11}
